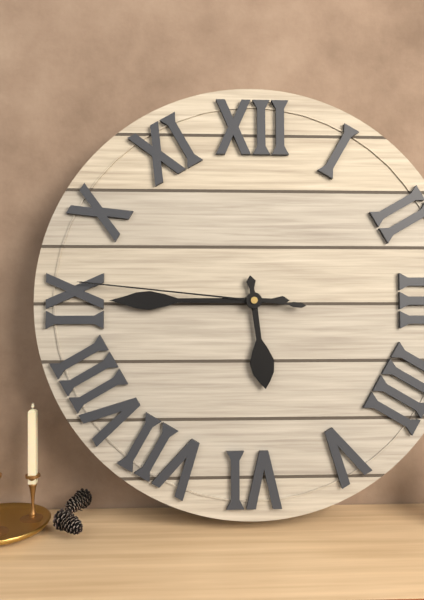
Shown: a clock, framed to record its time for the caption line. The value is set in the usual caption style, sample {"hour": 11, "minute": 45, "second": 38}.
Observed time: {"hour": 5, "minute": 45, "second": 46}
